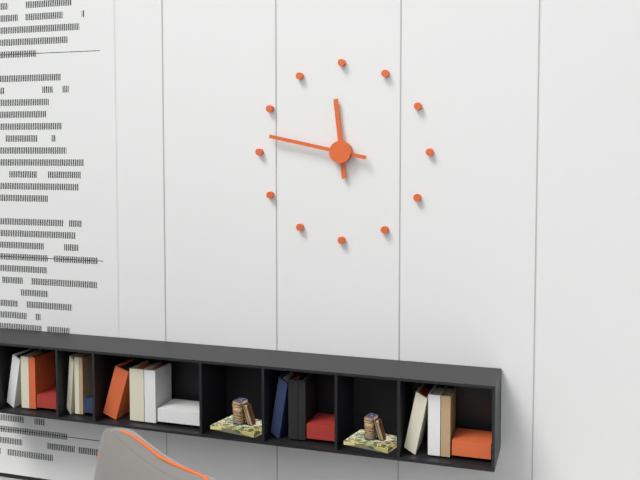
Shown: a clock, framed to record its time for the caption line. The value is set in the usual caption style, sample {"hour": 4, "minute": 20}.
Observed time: {"hour": 11, "minute": 47}
